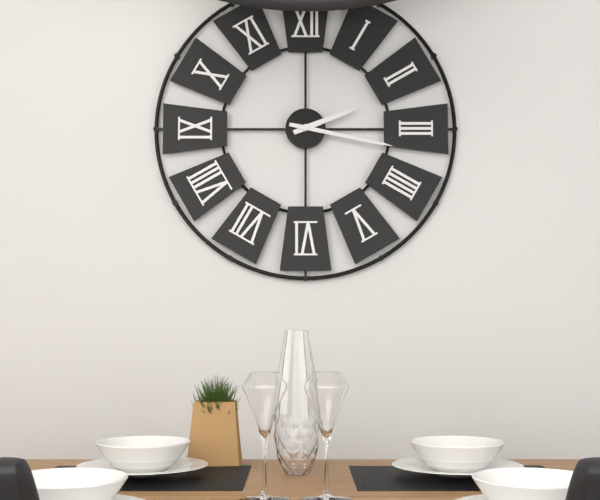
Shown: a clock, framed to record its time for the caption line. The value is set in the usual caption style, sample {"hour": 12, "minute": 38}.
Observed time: {"hour": 2, "minute": 17}
